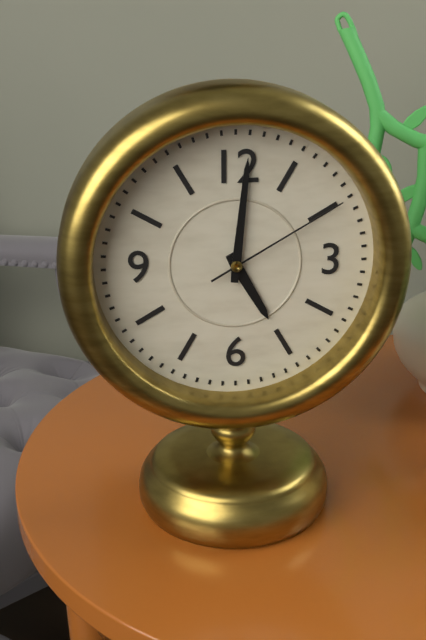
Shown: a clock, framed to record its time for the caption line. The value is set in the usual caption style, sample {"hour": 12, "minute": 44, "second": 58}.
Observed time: {"hour": 5, "minute": 1, "second": 10}
